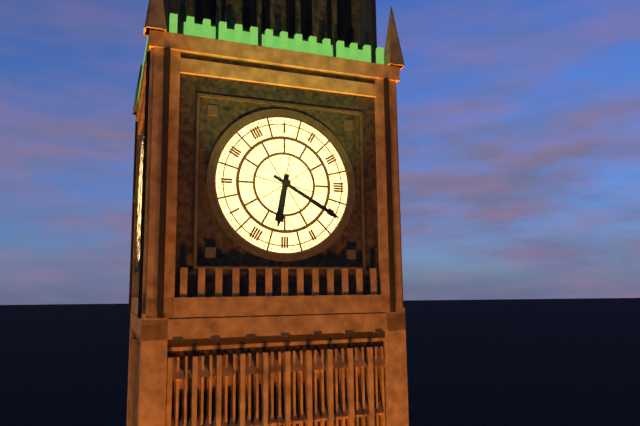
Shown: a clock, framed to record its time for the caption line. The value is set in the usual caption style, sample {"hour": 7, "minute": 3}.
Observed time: {"hour": 6, "minute": 20}
